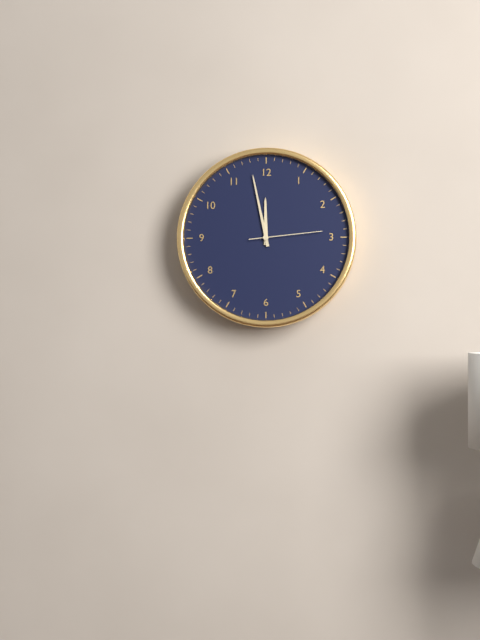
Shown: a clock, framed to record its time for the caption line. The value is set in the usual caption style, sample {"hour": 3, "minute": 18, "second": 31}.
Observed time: {"hour": 11, "minute": 58, "second": 14}
